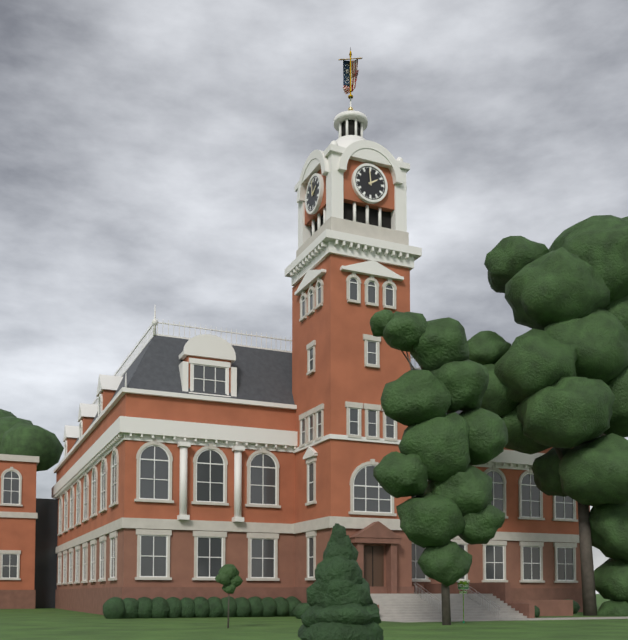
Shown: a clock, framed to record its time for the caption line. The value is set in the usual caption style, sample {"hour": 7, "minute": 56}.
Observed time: {"hour": 1, "minute": 59}
